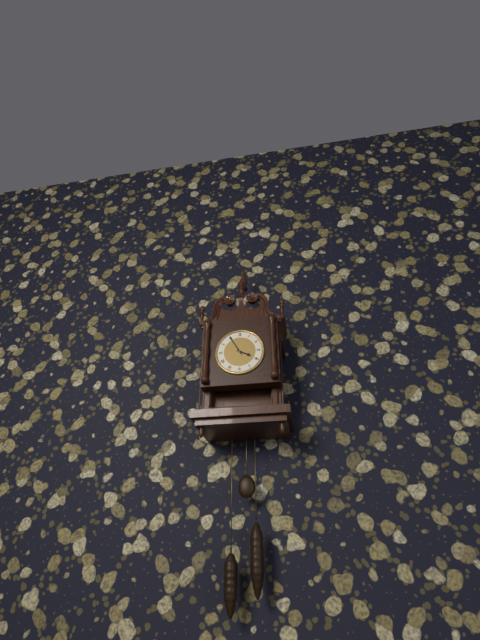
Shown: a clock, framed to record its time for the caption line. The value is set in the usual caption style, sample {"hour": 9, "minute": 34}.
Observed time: {"hour": 3, "minute": 55}
